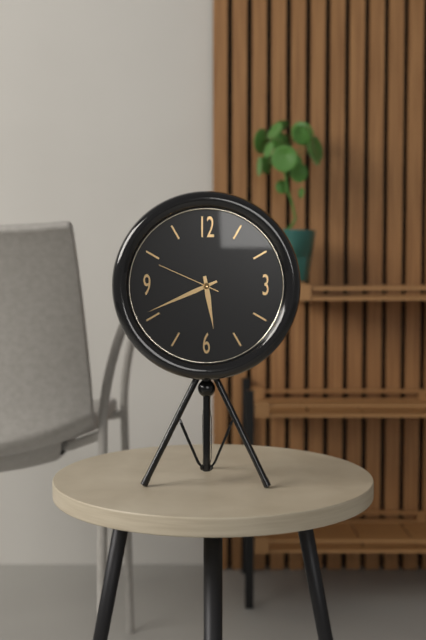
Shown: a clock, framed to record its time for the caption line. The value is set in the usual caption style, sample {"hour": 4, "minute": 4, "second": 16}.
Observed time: {"hour": 5, "minute": 41, "second": 49}
